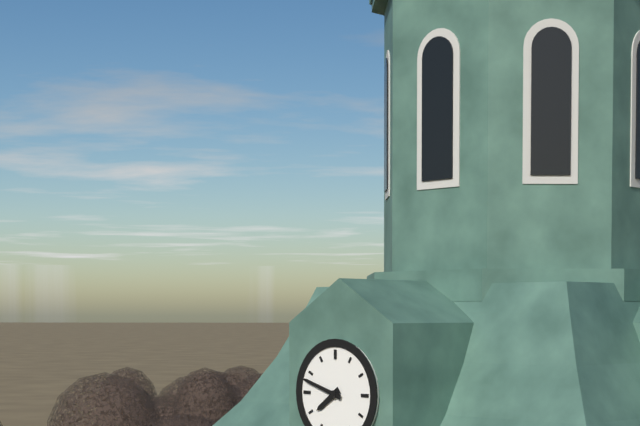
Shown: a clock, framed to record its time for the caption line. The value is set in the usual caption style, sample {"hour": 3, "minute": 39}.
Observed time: {"hour": 7, "minute": 48}
